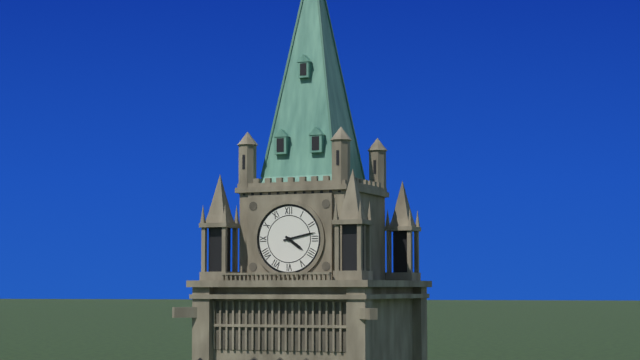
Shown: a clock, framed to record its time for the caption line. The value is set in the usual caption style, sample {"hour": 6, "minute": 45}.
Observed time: {"hour": 4, "minute": 13}
